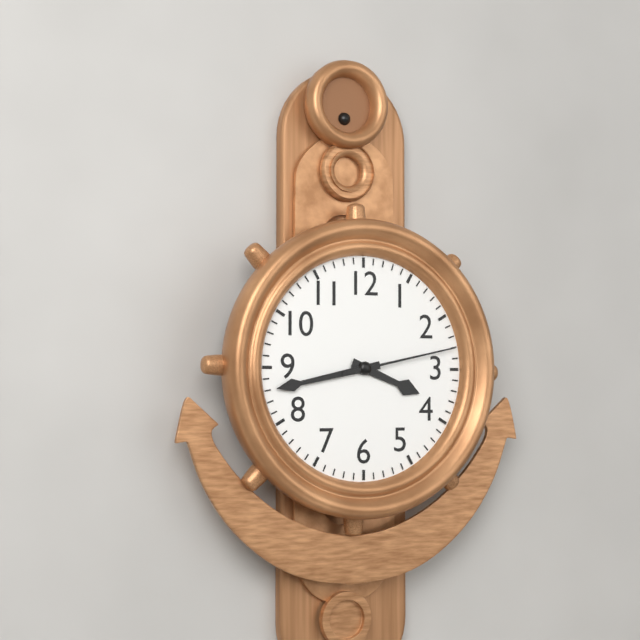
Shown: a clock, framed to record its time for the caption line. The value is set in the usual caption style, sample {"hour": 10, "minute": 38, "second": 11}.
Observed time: {"hour": 3, "minute": 43, "second": 13}
